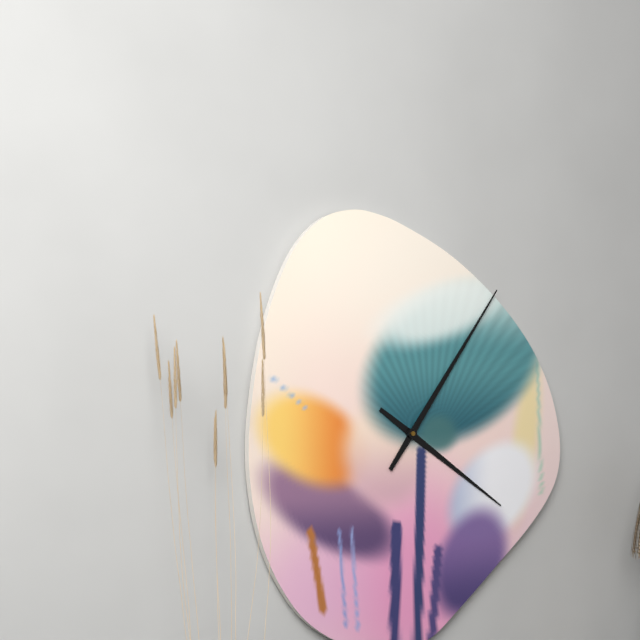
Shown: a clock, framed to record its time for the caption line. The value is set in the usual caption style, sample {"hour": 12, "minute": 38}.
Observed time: {"hour": 4, "minute": 6}
